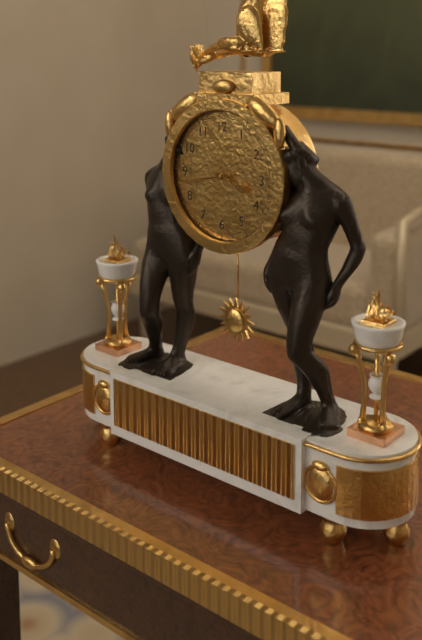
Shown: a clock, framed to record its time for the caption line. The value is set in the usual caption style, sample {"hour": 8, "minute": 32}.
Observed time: {"hour": 3, "minute": 43}
